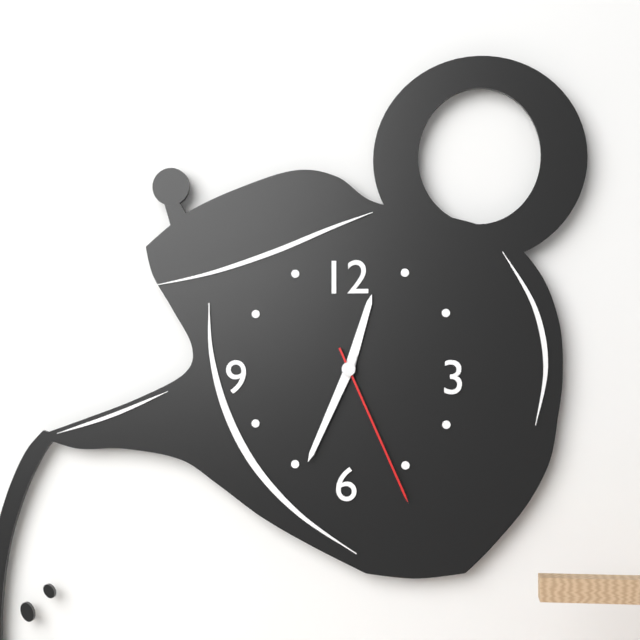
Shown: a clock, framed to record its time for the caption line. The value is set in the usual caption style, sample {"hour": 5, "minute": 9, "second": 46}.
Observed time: {"hour": 12, "minute": 34, "second": 26}
